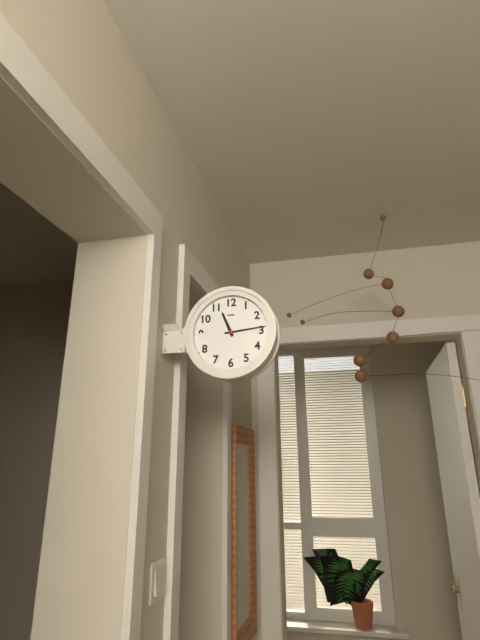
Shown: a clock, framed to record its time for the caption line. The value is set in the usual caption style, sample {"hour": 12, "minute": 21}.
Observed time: {"hour": 11, "minute": 14}
